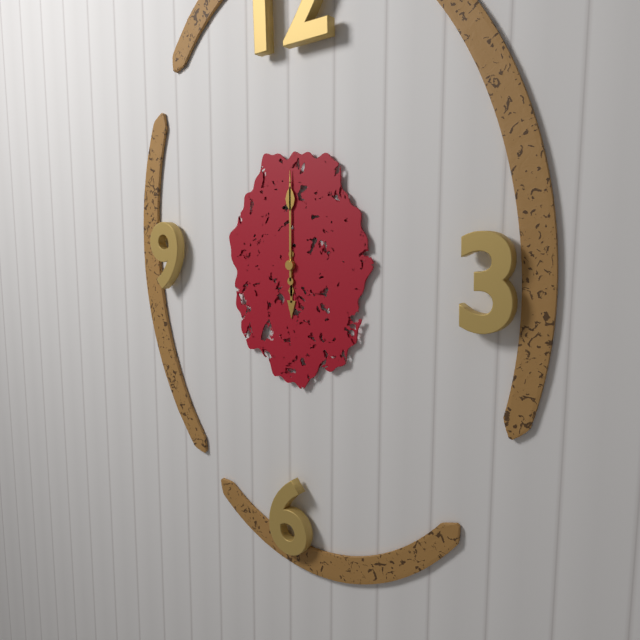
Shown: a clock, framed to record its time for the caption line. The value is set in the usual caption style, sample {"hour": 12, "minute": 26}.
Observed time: {"hour": 6, "minute": 0}
